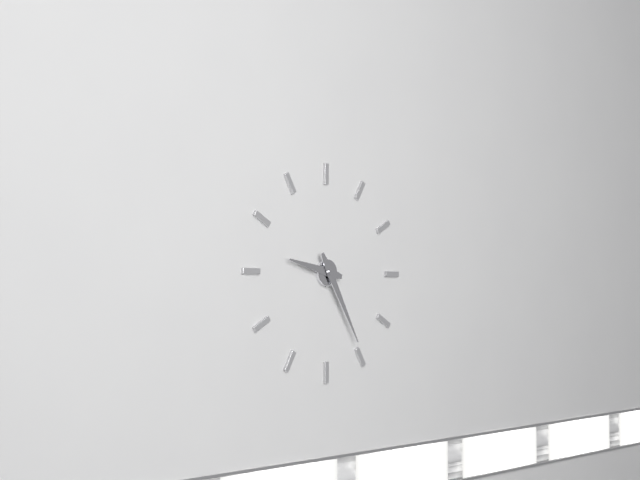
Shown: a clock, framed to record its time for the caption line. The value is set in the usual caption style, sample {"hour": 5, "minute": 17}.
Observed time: {"hour": 9, "minute": 25}
